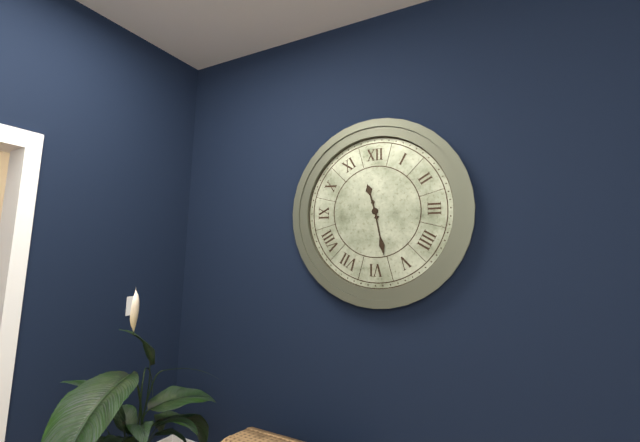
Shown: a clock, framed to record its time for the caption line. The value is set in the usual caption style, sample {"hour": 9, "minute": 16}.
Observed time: {"hour": 11, "minute": 28}
